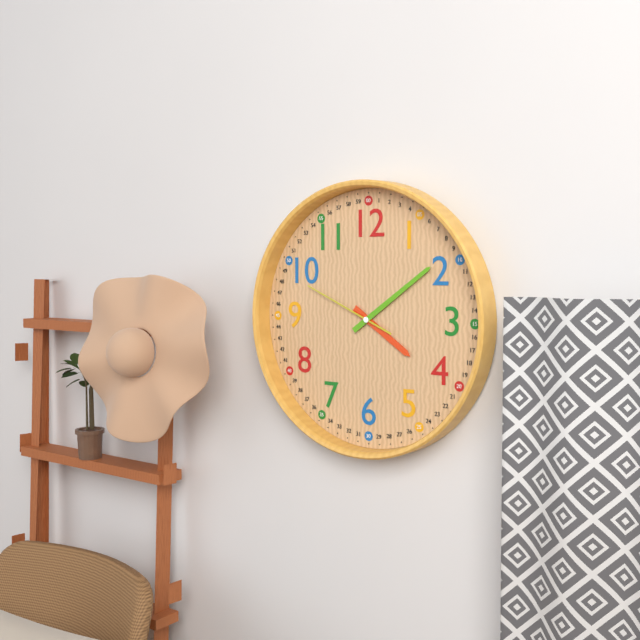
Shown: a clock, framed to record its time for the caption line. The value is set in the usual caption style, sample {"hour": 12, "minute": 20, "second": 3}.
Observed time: {"hour": 4, "minute": 9, "second": 49}
